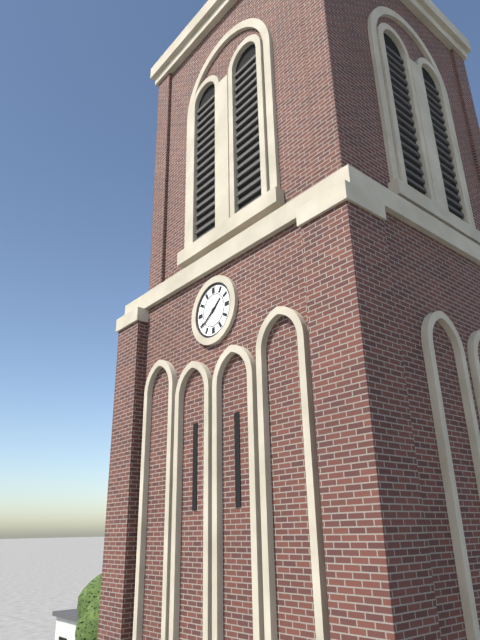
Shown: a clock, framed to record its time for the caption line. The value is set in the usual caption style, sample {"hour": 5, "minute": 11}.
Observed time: {"hour": 1, "minute": 39}
